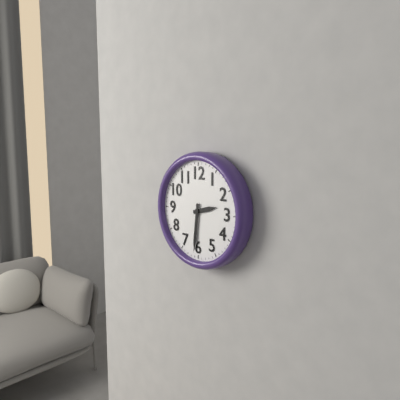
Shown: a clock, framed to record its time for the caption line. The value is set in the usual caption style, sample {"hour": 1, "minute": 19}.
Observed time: {"hour": 2, "minute": 31}
